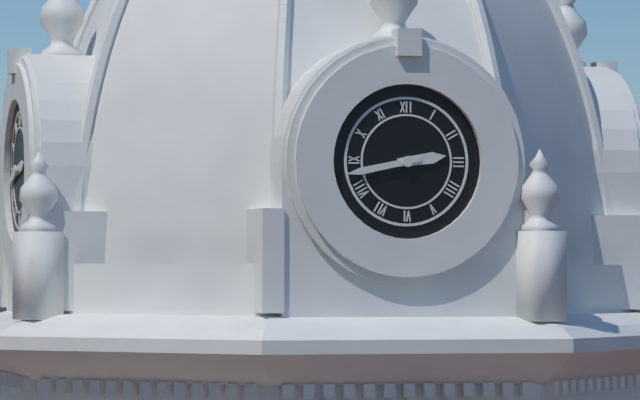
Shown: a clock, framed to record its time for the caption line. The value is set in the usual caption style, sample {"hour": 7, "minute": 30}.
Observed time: {"hour": 2, "minute": 43}
